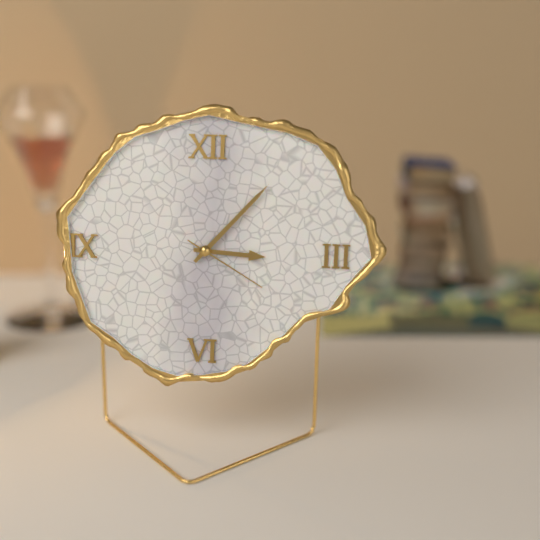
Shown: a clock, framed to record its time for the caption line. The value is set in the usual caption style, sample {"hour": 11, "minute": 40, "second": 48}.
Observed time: {"hour": 3, "minute": 7, "second": 20}
